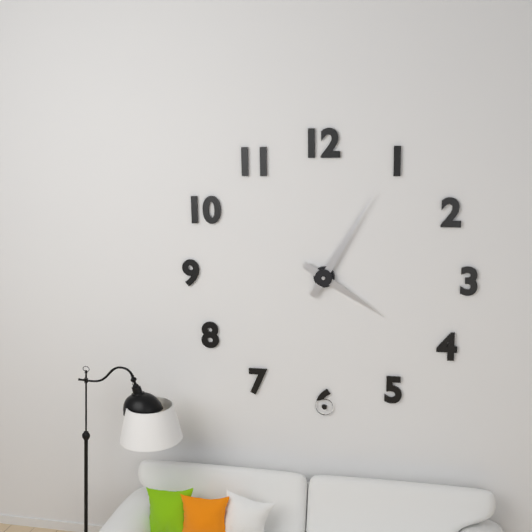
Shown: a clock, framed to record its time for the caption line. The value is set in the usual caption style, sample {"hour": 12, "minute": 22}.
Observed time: {"hour": 4, "minute": 5}
